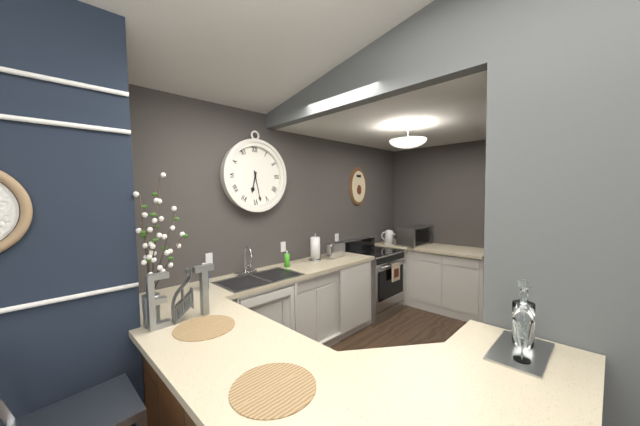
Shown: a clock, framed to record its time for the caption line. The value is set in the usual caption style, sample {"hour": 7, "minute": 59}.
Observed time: {"hour": 6, "minute": 28}
